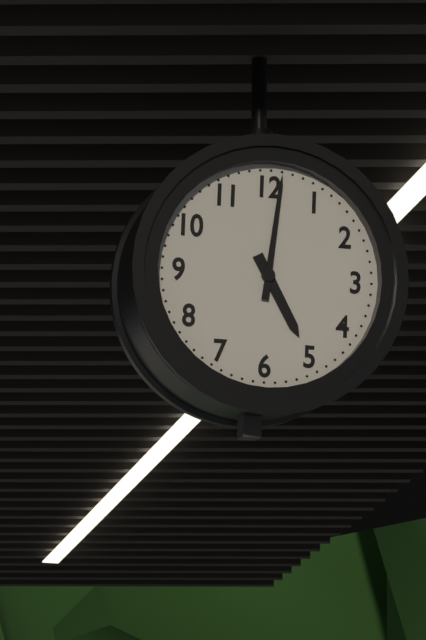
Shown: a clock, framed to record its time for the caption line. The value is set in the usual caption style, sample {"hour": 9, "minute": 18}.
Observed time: {"hour": 5, "minute": 1}
